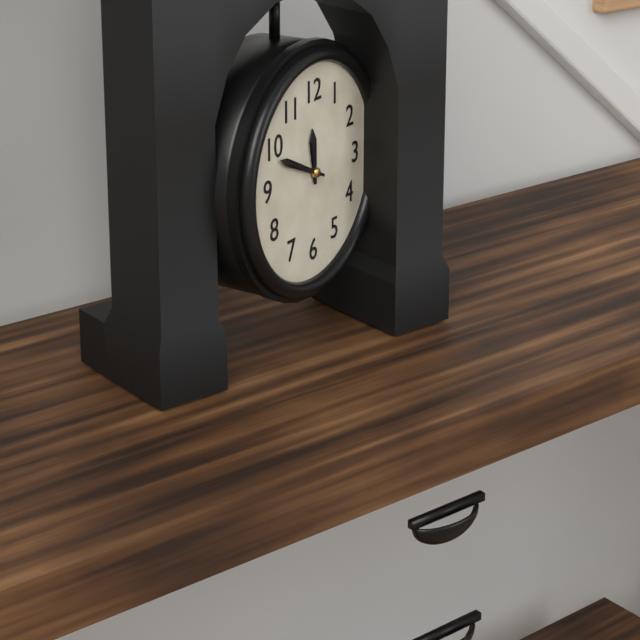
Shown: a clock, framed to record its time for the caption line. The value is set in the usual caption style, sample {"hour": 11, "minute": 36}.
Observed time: {"hour": 11, "minute": 49}
